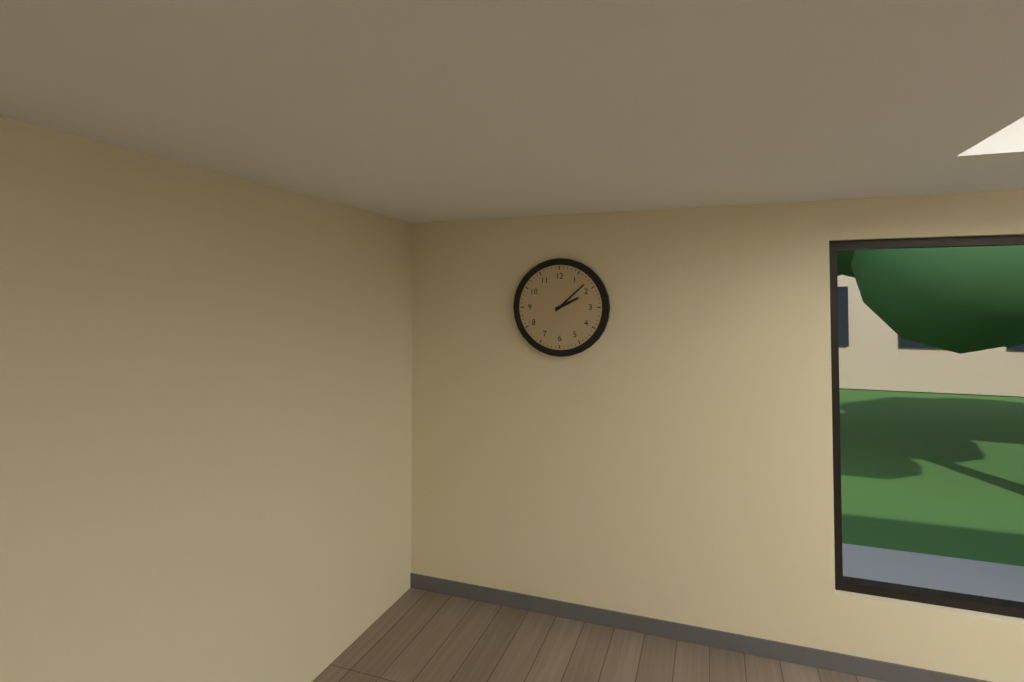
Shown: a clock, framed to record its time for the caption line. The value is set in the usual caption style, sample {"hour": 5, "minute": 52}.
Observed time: {"hour": 2, "minute": 8}
